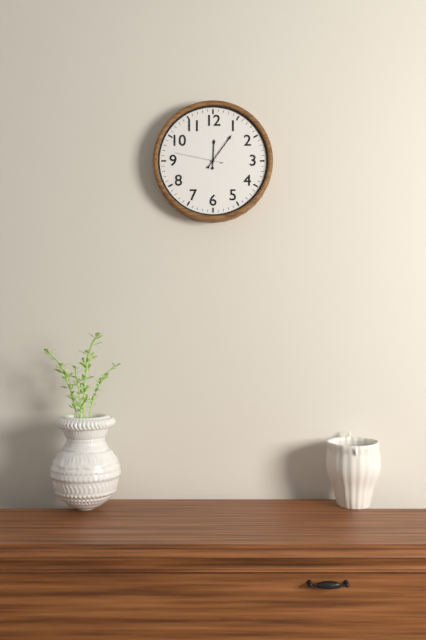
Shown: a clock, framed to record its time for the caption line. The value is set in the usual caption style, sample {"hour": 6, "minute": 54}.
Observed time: {"hour": 12, "minute": 6}
